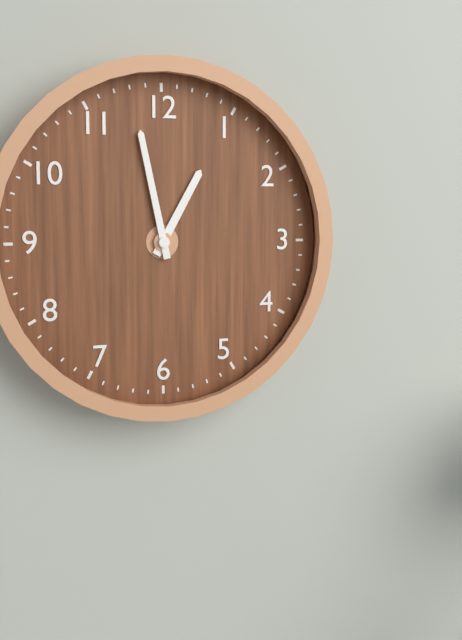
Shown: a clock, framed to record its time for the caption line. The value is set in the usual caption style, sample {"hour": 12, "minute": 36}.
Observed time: {"hour": 12, "minute": 58}
